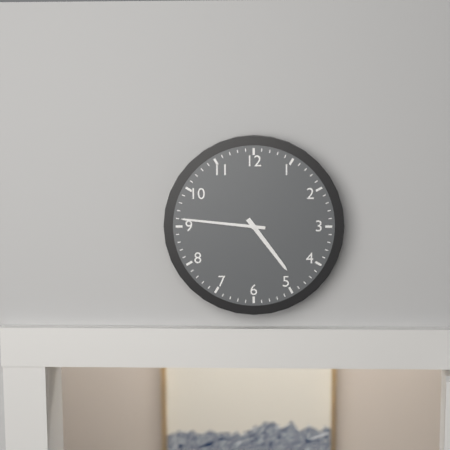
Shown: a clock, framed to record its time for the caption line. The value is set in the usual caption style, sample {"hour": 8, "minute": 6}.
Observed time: {"hour": 4, "minute": 46}
